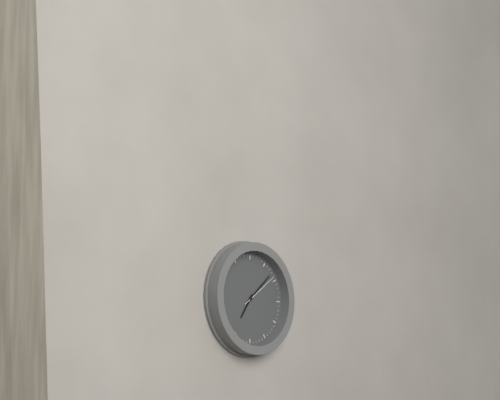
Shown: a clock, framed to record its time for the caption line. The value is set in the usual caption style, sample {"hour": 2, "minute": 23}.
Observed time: {"hour": 7, "minute": 8}
